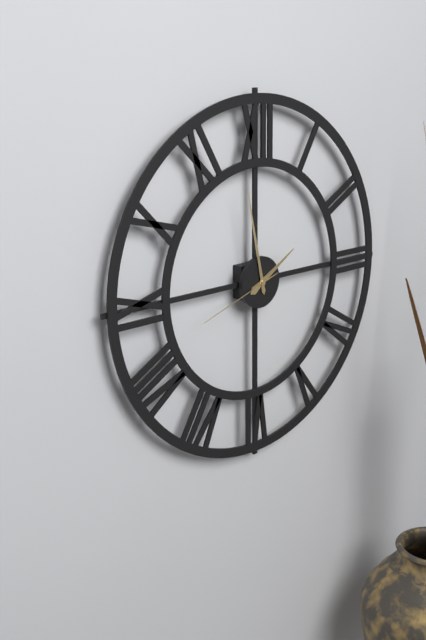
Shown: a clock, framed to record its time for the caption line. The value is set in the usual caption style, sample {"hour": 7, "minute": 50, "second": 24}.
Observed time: {"hour": 1, "minute": 58, "second": 42}
